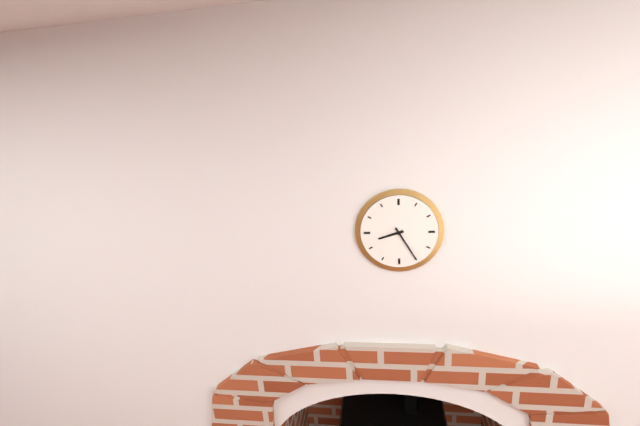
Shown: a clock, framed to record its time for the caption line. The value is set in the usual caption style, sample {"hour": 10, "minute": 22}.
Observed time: {"hour": 8, "minute": 25}
